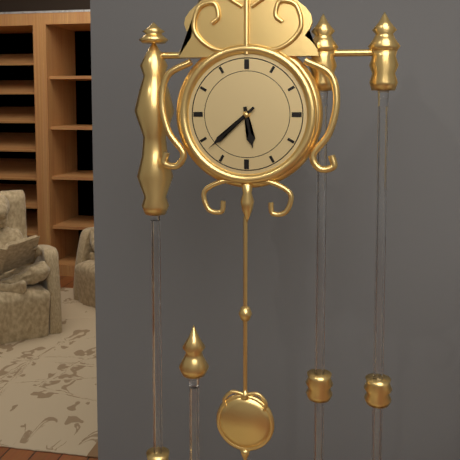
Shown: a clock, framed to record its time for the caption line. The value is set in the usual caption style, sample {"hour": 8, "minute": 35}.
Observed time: {"hour": 5, "minute": 38}
